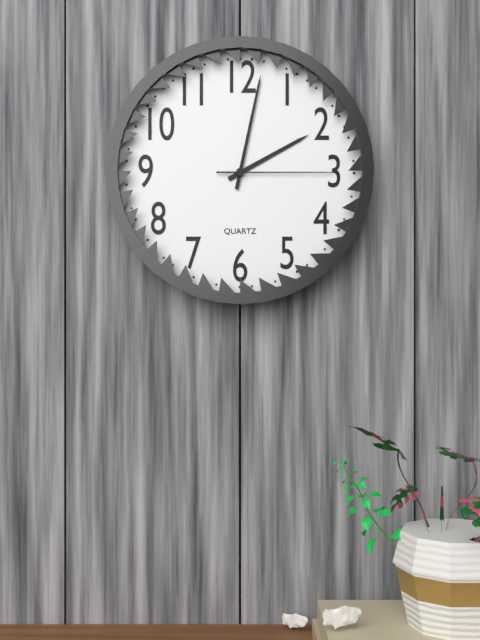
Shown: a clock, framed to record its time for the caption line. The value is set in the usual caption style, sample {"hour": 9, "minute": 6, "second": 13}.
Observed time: {"hour": 2, "minute": 2, "second": 15}
